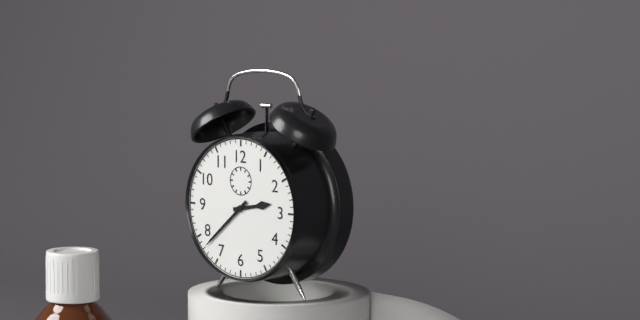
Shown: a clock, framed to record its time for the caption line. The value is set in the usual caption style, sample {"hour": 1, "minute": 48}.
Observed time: {"hour": 2, "minute": 38}
